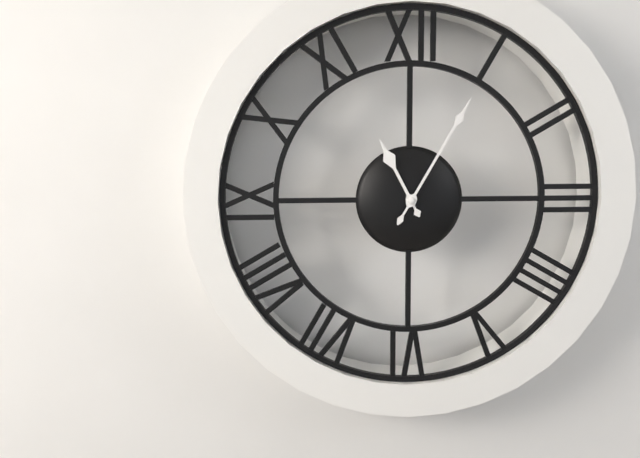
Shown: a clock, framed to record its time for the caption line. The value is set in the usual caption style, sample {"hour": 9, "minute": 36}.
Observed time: {"hour": 11, "minute": 5}
